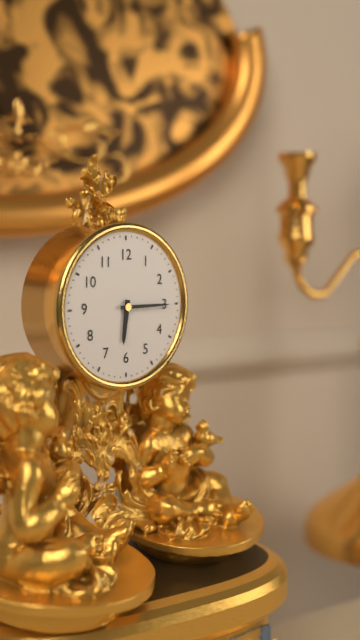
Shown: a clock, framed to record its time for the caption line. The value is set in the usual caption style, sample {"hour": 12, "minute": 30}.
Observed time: {"hour": 6, "minute": 15}
